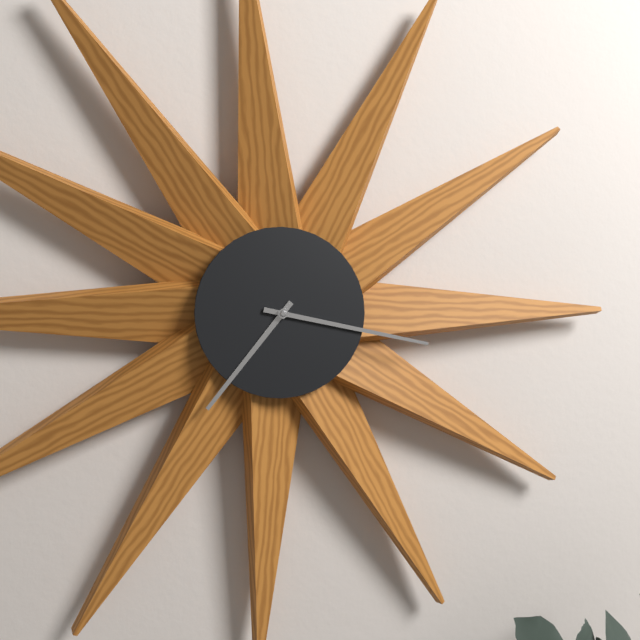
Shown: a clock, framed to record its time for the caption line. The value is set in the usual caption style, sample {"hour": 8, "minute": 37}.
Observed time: {"hour": 7, "minute": 17}
